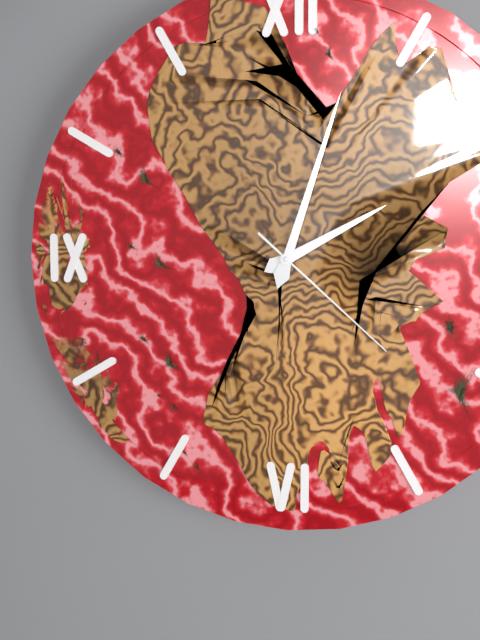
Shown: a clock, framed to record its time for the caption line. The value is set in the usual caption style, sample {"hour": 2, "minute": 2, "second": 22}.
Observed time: {"hour": 2, "minute": 3, "second": 22}
